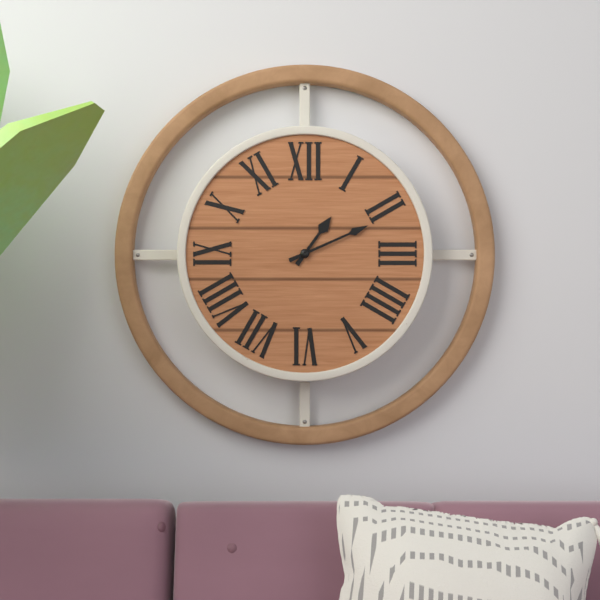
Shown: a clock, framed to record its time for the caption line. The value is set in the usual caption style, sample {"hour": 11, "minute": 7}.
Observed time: {"hour": 1, "minute": 11}
